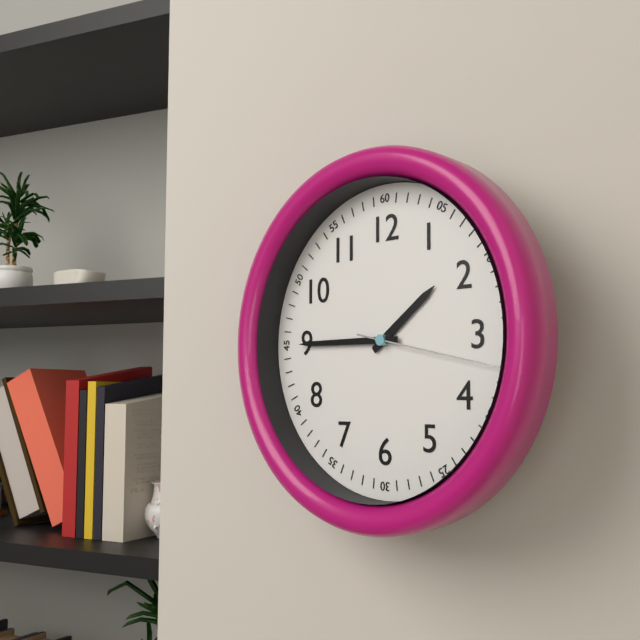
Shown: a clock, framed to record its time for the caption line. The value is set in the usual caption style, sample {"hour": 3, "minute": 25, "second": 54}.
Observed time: {"hour": 1, "minute": 45, "second": 17}
